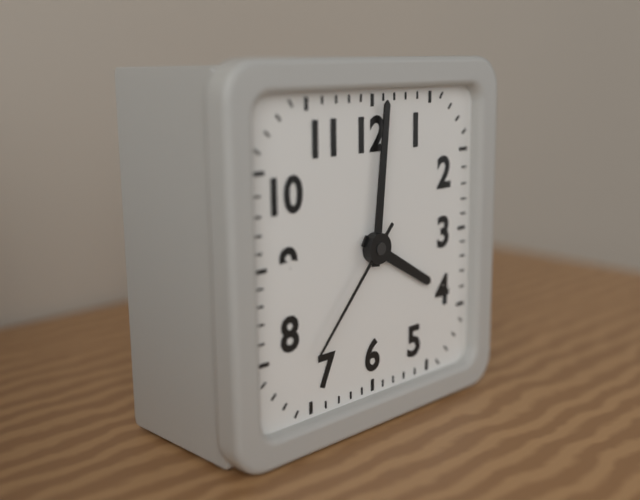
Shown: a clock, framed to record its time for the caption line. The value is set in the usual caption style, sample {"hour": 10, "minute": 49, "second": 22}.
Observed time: {"hour": 4, "minute": 1, "second": 37}
